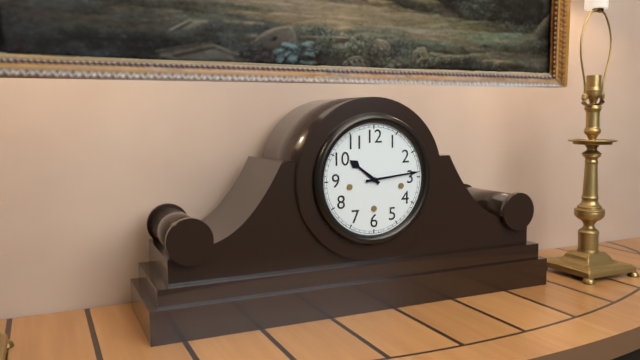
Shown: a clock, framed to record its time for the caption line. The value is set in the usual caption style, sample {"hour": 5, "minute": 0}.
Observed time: {"hour": 10, "minute": 14}
